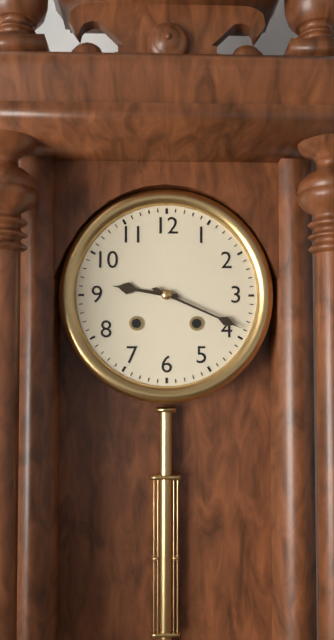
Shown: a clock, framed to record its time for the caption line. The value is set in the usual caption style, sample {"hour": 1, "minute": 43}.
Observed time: {"hour": 9, "minute": 19}
